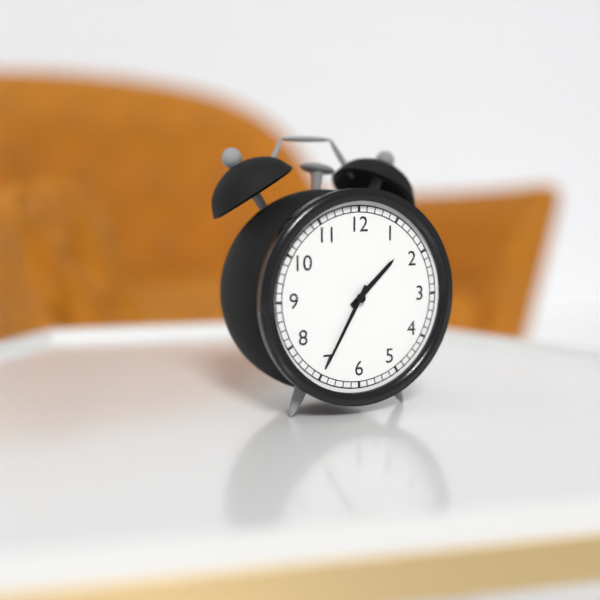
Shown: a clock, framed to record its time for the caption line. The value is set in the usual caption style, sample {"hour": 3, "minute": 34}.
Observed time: {"hour": 1, "minute": 35}
